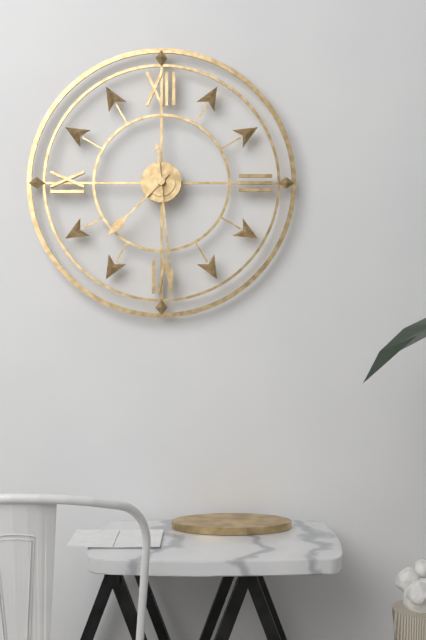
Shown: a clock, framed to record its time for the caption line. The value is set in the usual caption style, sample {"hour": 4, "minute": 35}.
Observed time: {"hour": 7, "minute": 29}
